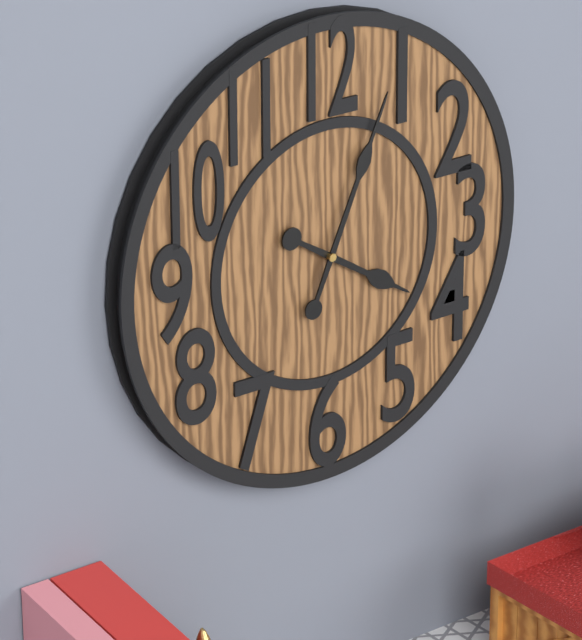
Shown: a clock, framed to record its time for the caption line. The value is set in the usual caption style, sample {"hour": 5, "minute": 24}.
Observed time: {"hour": 4, "minute": 4}
